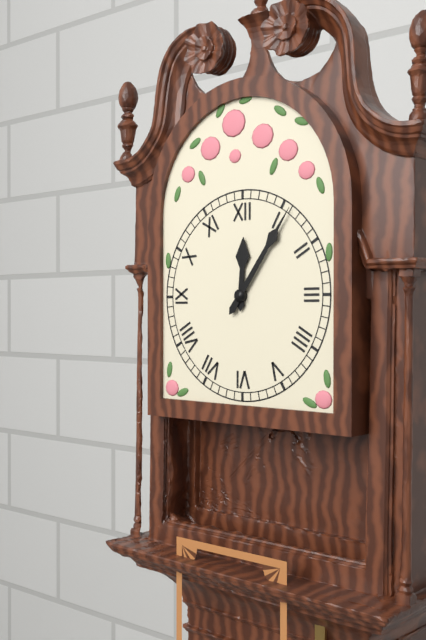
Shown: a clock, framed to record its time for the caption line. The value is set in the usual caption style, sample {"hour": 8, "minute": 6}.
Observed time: {"hour": 12, "minute": 6}
